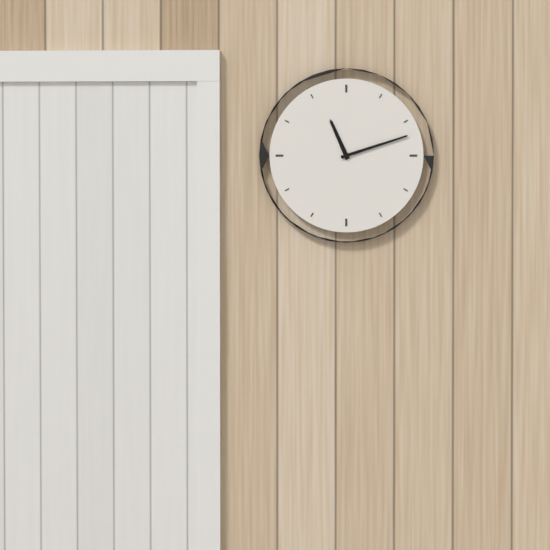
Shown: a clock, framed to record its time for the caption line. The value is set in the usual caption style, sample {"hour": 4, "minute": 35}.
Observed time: {"hour": 11, "minute": 12}
